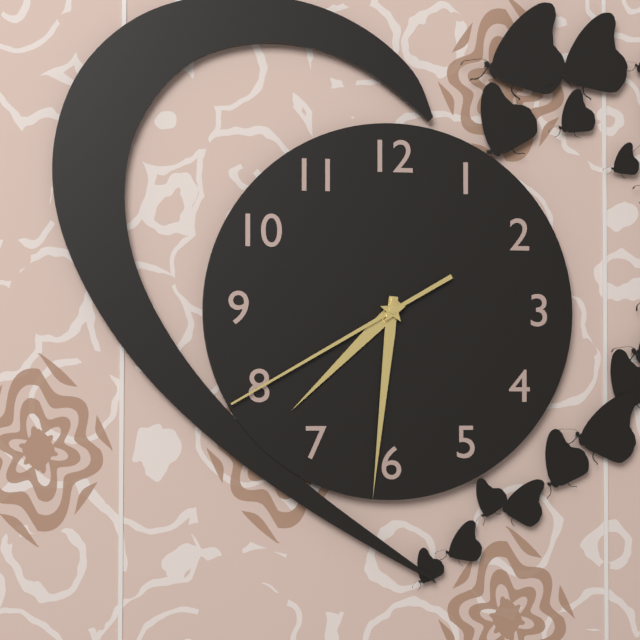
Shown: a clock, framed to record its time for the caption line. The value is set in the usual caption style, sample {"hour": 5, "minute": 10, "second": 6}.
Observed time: {"hour": 7, "minute": 31, "second": 40}
